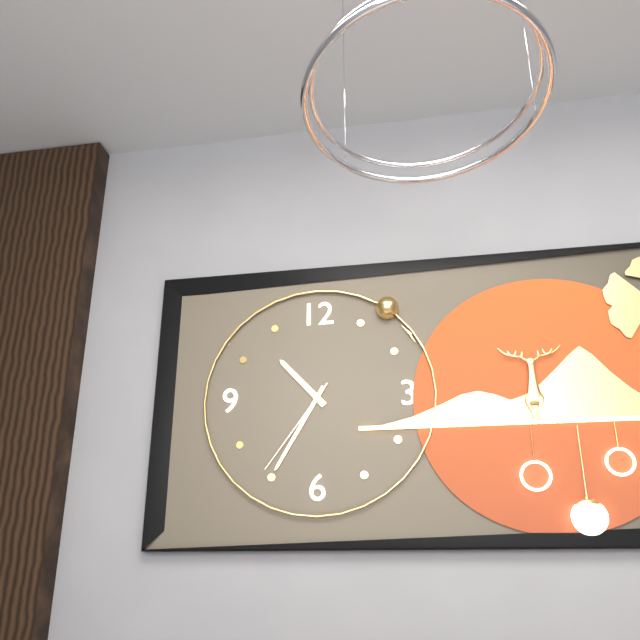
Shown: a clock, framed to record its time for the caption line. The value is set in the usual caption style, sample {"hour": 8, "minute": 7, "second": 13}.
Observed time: {"hour": 10, "minute": 35, "second": 36}
